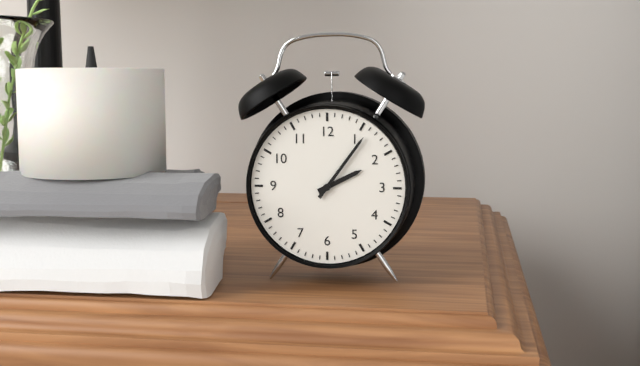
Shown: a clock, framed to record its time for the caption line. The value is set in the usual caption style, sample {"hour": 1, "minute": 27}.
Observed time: {"hour": 2, "minute": 6}
